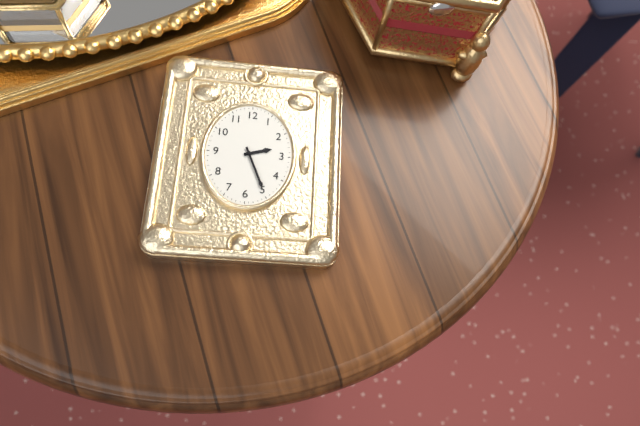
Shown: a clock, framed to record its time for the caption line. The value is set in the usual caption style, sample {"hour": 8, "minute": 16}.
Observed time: {"hour": 2, "minute": 26}
